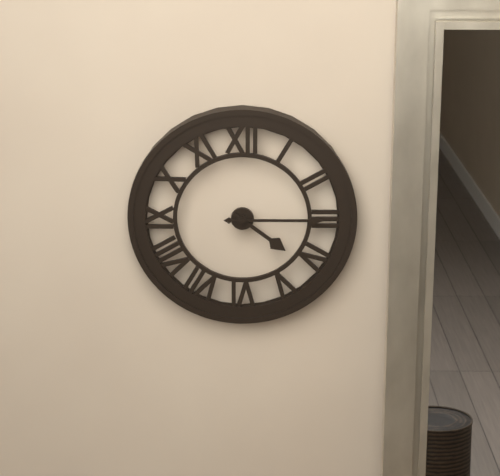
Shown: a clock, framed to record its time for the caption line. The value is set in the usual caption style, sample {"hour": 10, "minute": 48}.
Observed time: {"hour": 4, "minute": 15}
